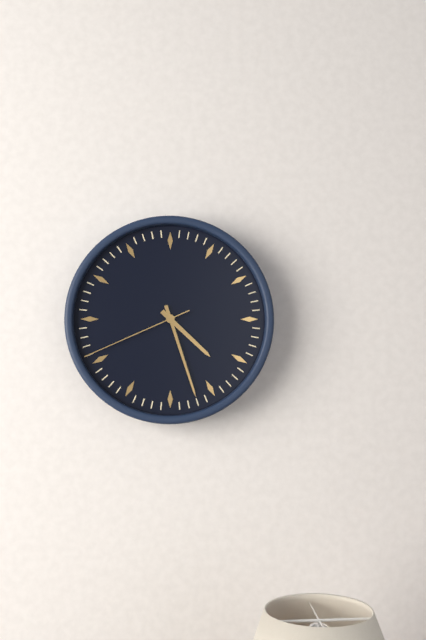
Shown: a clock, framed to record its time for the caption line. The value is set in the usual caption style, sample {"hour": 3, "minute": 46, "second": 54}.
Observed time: {"hour": 4, "minute": 27, "second": 41}
